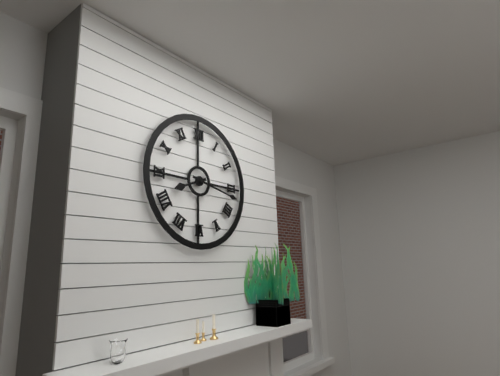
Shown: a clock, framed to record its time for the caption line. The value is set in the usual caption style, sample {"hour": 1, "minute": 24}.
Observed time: {"hour": 8, "minute": 17}
